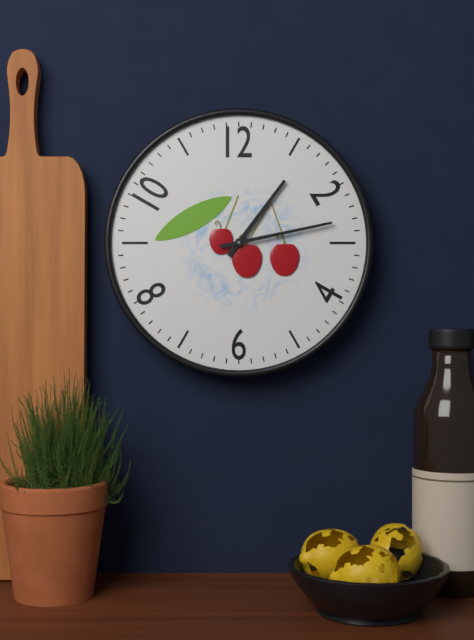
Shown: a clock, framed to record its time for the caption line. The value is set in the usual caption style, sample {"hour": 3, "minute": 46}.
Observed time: {"hour": 1, "minute": 13}
